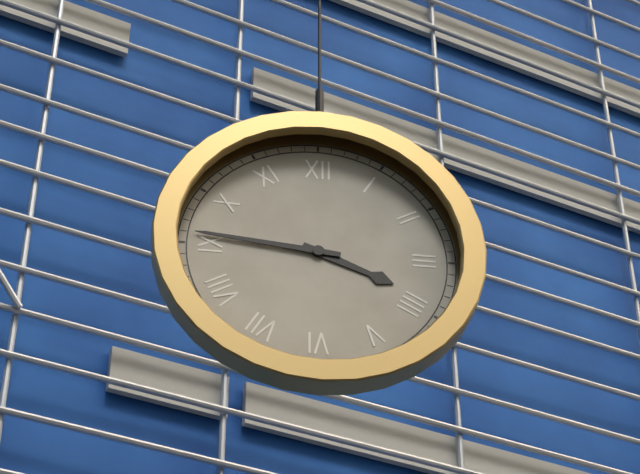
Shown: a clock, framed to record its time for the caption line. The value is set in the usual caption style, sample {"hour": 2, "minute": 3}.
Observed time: {"hour": 3, "minute": 46}
